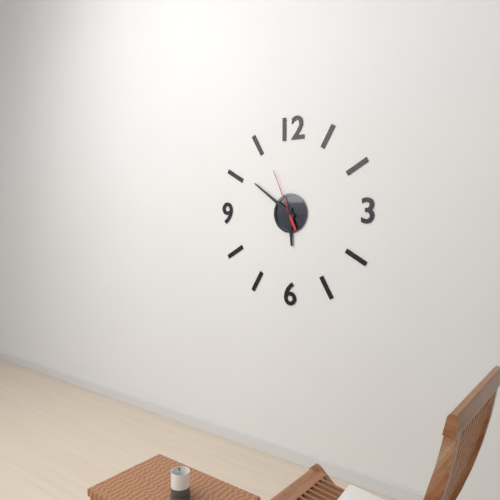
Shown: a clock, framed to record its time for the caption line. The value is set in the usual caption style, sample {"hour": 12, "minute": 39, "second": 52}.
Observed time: {"hour": 5, "minute": 51, "second": 56}
